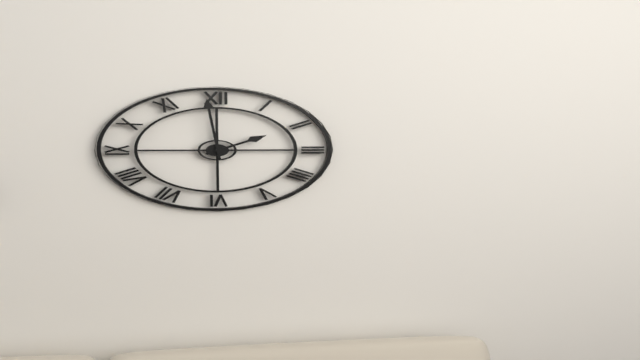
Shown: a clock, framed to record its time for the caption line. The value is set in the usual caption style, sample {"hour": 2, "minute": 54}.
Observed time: {"hour": 1, "minute": 59}
